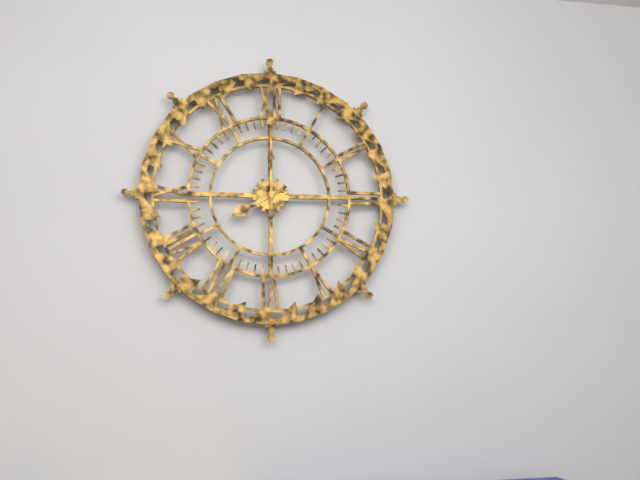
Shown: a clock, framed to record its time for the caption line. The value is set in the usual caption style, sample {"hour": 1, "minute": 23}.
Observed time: {"hour": 8, "minute": 0}
